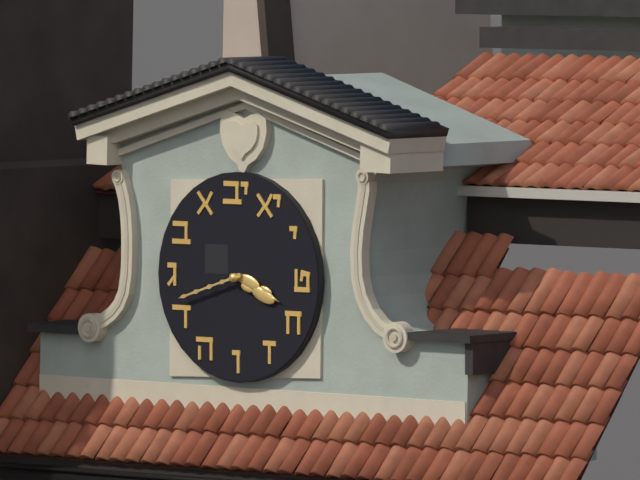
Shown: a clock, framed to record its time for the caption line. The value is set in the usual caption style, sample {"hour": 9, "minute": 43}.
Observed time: {"hour": 3, "minute": 42}
